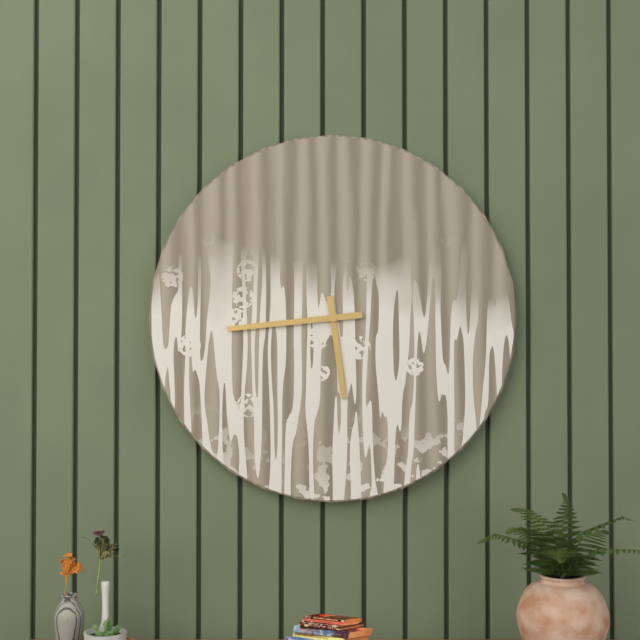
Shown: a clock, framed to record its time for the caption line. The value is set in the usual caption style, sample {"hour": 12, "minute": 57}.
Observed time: {"hour": 5, "minute": 44}
